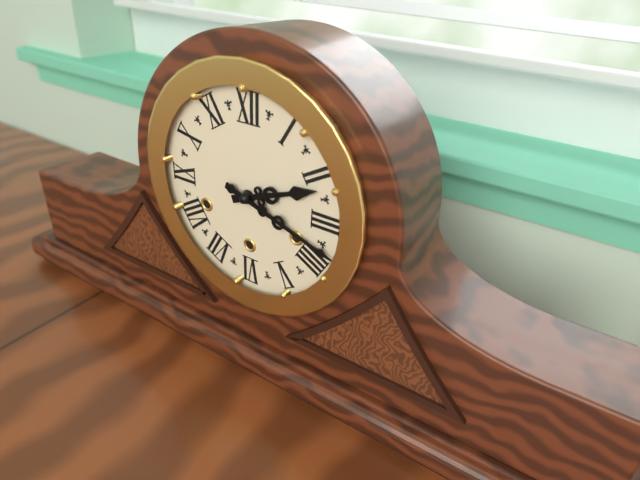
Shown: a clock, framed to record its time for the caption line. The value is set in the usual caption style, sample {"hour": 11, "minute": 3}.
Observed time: {"hour": 2, "minute": 18}
